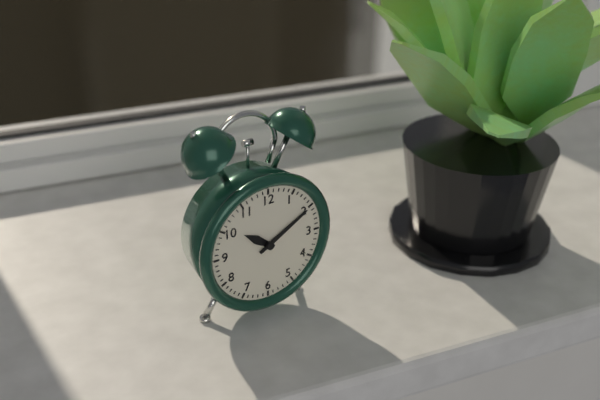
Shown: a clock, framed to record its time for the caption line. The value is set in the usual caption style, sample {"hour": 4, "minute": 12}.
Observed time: {"hour": 10, "minute": 10}
